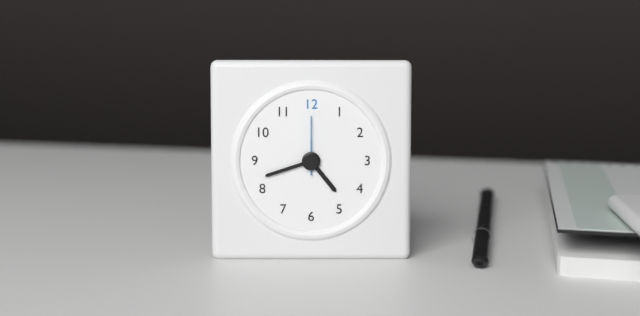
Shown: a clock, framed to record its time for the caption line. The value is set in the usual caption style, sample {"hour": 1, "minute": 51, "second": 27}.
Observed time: {"hour": 4, "minute": 42, "second": 0}
